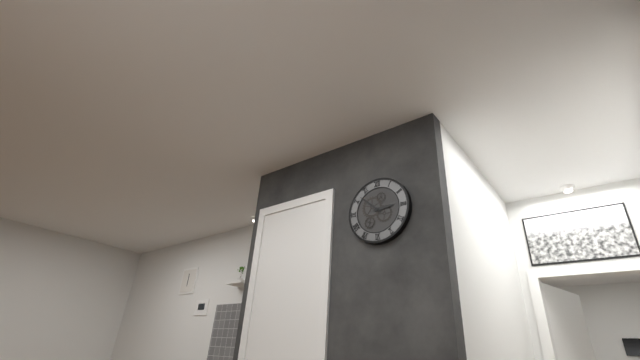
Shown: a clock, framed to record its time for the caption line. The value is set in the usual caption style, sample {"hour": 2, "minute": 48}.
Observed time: {"hour": 2, "minute": 52}
